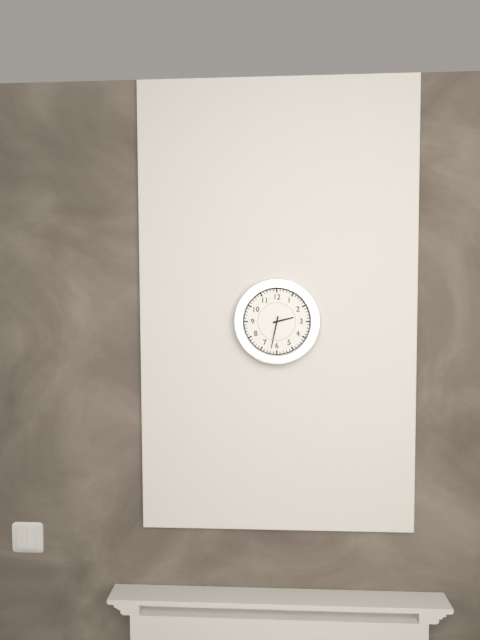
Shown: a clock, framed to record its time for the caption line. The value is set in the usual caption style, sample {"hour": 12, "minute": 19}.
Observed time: {"hour": 2, "minute": 32}
